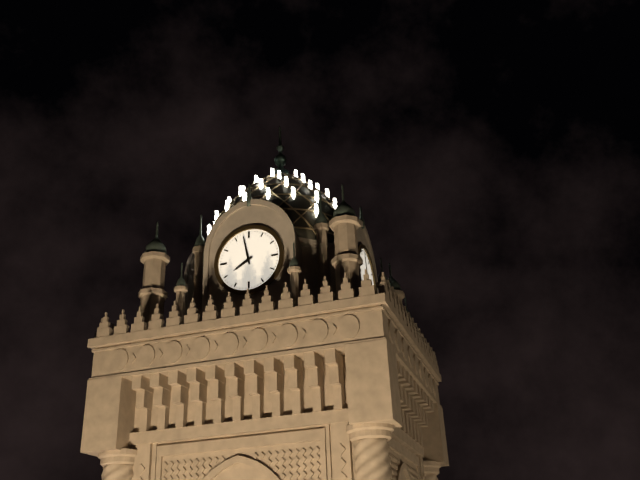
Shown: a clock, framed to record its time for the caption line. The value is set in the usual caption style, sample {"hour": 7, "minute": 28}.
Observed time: {"hour": 7, "minute": 58}
